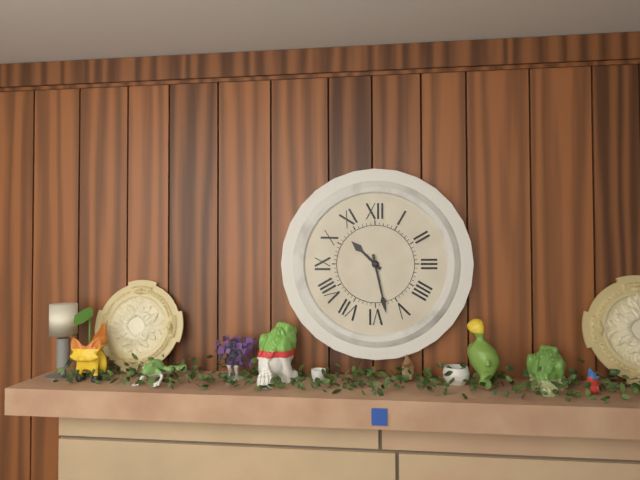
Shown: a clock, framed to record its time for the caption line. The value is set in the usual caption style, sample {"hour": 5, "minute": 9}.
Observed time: {"hour": 10, "minute": 28}
